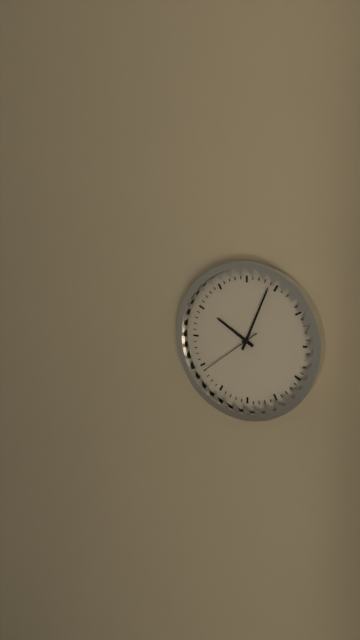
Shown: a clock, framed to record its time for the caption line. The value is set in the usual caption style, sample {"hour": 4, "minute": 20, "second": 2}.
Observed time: {"hour": 10, "minute": 4, "second": 39}
